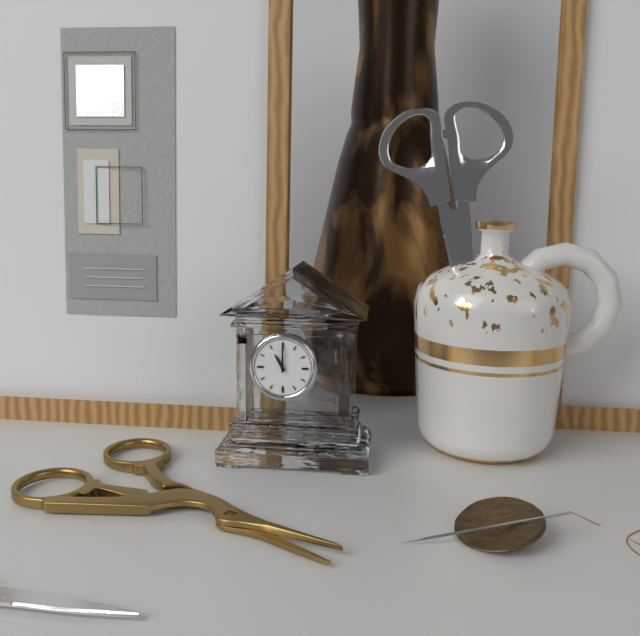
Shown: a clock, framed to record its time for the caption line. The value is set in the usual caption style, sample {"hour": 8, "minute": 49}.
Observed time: {"hour": 11, "minute": 0}
